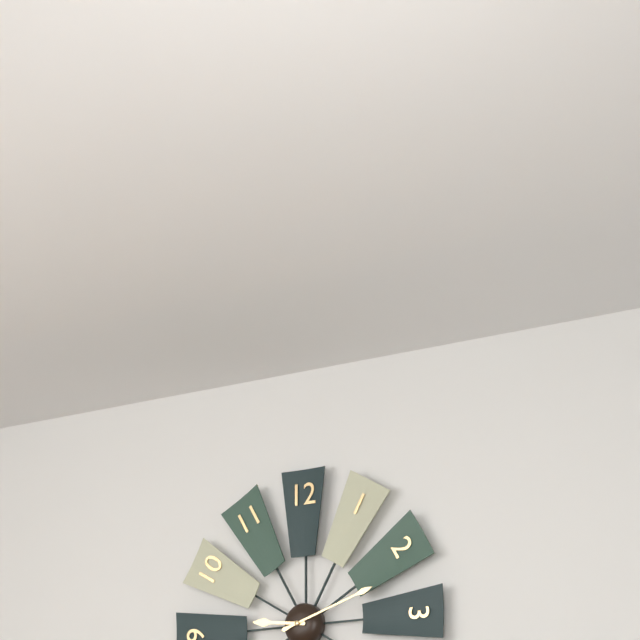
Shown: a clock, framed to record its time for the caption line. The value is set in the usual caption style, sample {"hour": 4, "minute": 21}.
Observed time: {"hour": 9, "minute": 12}
